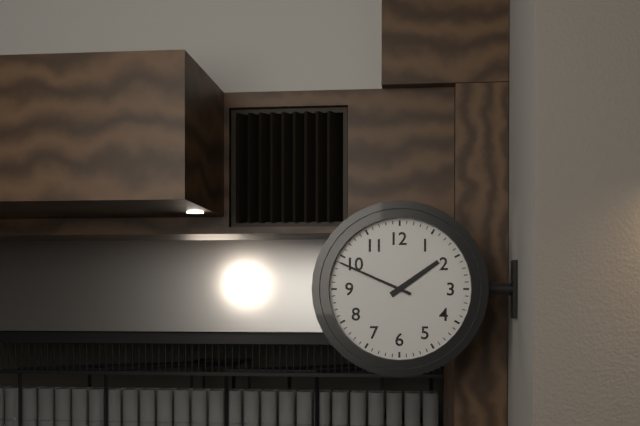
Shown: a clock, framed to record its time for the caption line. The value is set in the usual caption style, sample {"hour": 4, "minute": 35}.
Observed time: {"hour": 1, "minute": 49}
